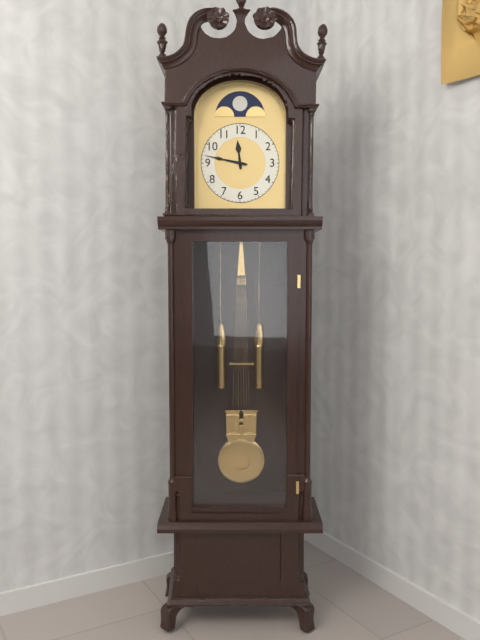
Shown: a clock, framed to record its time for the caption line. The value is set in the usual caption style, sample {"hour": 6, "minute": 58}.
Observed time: {"hour": 11, "minute": 47}
